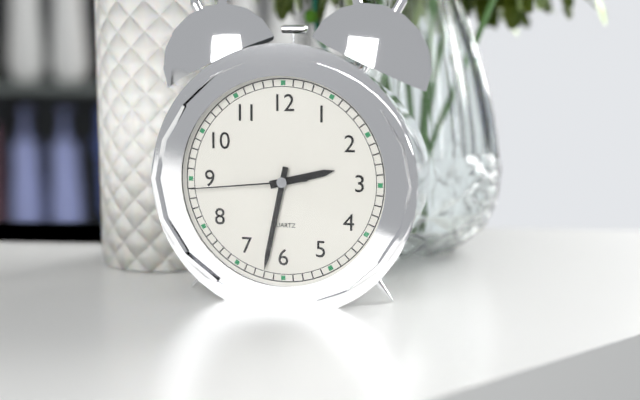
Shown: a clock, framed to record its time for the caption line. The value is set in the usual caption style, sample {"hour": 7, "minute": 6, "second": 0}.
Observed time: {"hour": 2, "minute": 32, "second": 44}
